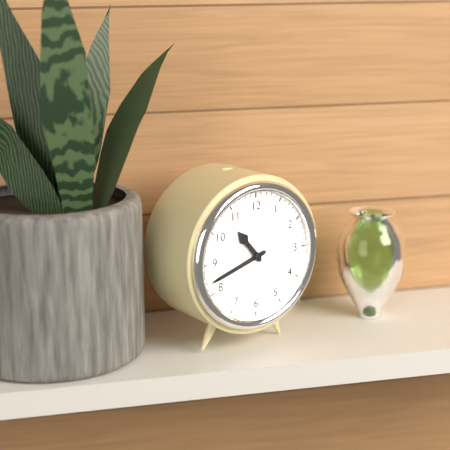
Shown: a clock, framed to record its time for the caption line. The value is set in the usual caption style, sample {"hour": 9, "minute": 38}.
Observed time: {"hour": 10, "minute": 42}
